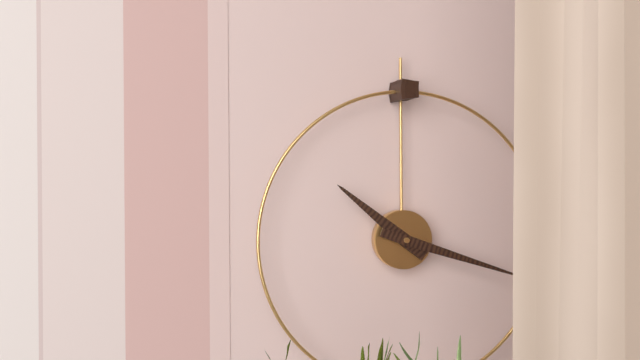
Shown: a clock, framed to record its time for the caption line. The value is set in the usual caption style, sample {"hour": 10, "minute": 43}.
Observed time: {"hour": 10, "minute": 18}
